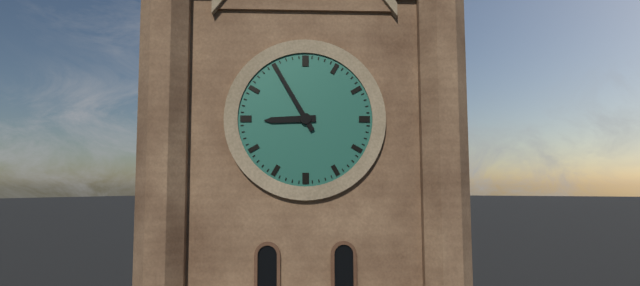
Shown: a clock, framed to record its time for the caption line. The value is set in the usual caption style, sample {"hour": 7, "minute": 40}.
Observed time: {"hour": 8, "minute": 55}
